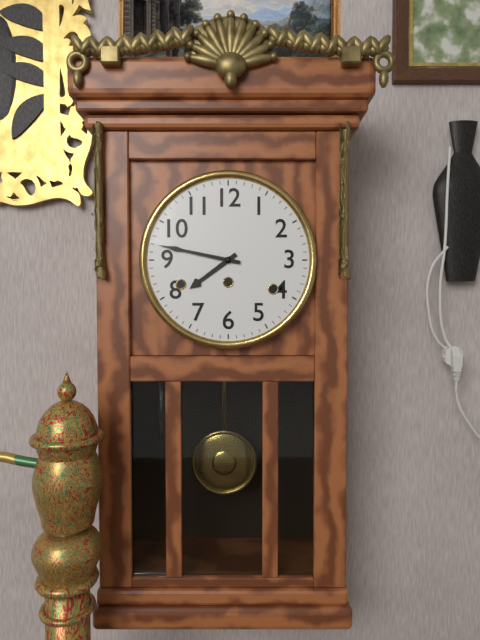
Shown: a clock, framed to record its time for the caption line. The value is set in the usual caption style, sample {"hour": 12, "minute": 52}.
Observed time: {"hour": 7, "minute": 47}
